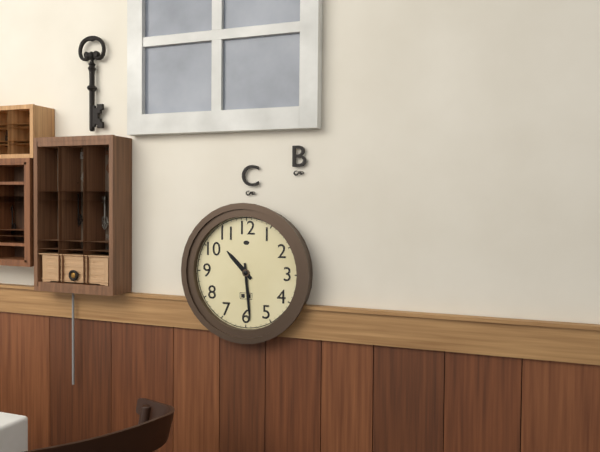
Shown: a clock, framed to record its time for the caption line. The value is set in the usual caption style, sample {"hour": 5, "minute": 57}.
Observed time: {"hour": 10, "minute": 29}
